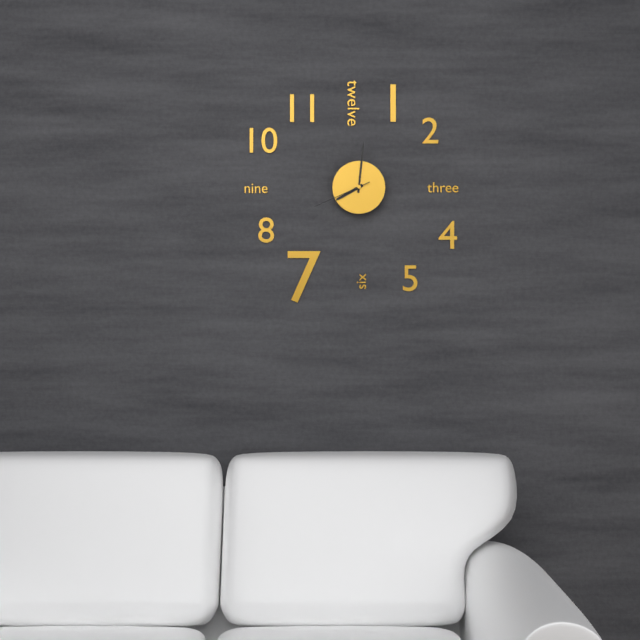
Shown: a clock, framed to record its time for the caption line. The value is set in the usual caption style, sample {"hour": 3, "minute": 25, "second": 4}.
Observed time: {"hour": 8, "minute": 1, "second": 41}
